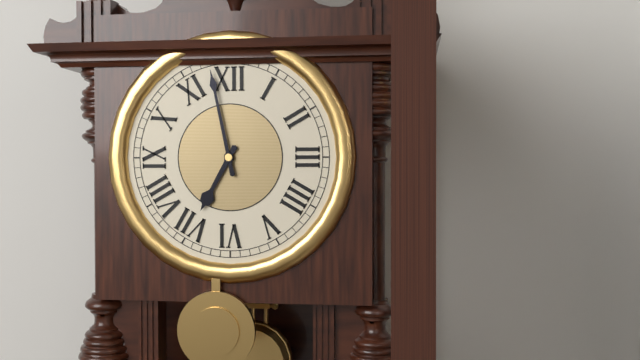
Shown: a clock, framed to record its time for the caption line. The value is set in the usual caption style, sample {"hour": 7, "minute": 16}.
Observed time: {"hour": 6, "minute": 58}
